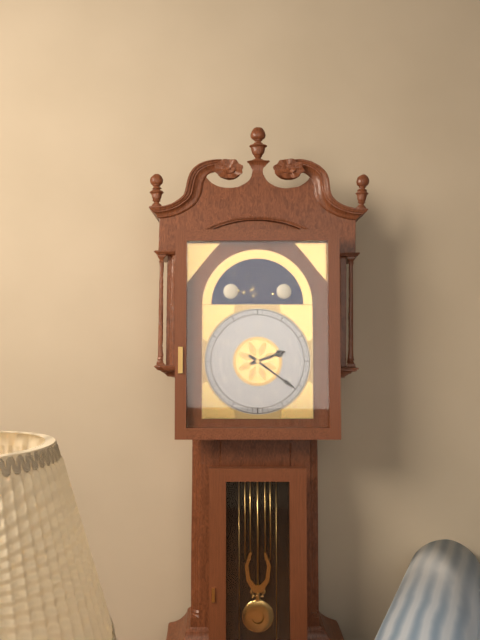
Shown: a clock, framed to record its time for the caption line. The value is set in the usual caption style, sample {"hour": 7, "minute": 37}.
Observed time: {"hour": 2, "minute": 21}
